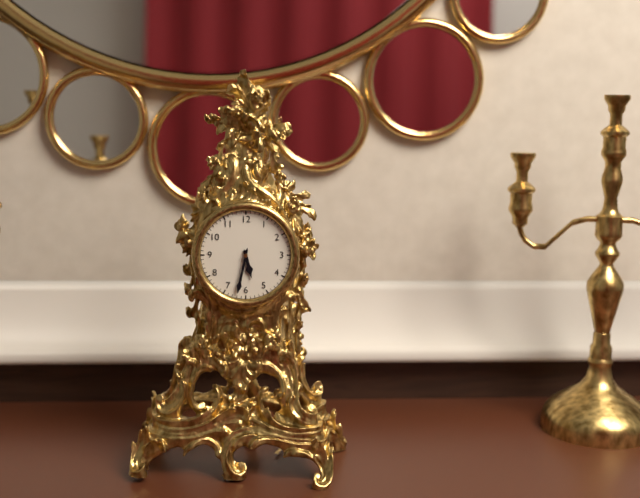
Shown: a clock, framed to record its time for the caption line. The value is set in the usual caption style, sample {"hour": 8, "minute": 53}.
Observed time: {"hour": 5, "minute": 32}
